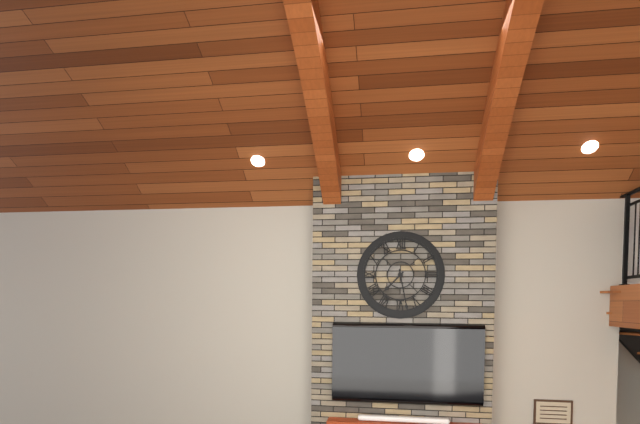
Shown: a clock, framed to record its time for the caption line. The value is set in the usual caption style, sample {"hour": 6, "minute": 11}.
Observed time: {"hour": 7, "minute": 28}
